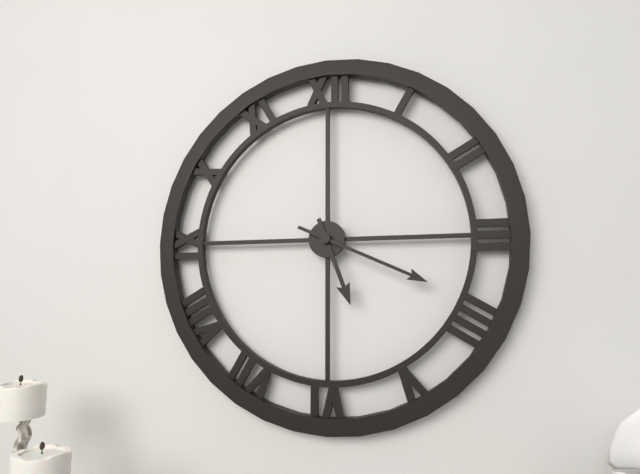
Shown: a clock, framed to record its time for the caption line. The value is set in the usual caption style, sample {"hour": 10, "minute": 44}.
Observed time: {"hour": 5, "minute": 19}
